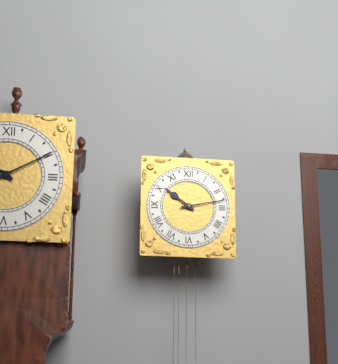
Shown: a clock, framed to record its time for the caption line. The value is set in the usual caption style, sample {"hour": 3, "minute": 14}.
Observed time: {"hour": 10, "minute": 13}
